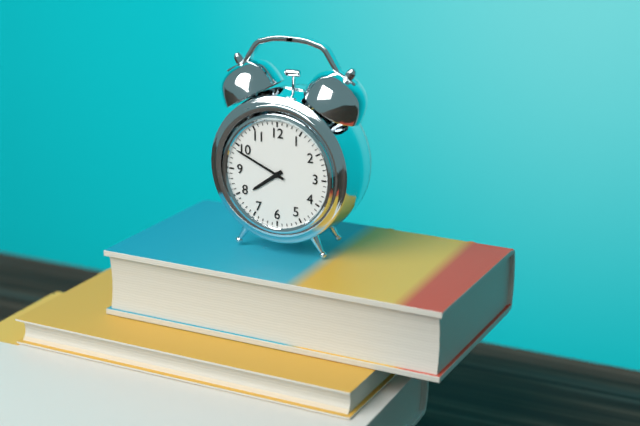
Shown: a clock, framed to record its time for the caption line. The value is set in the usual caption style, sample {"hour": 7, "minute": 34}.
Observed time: {"hour": 7, "minute": 49}
